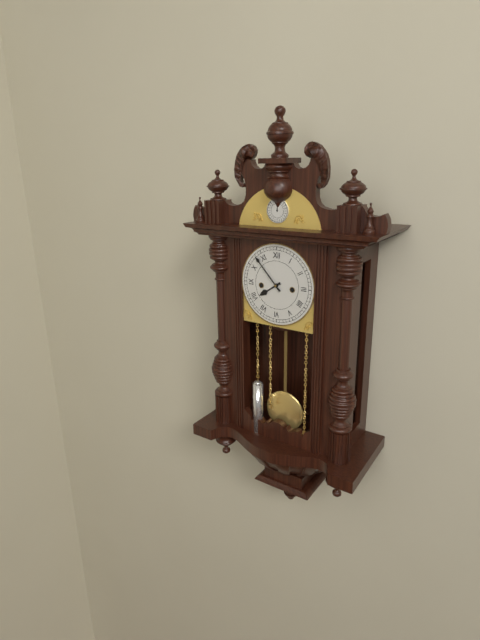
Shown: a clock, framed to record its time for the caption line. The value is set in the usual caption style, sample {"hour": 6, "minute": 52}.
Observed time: {"hour": 7, "minute": 53}
